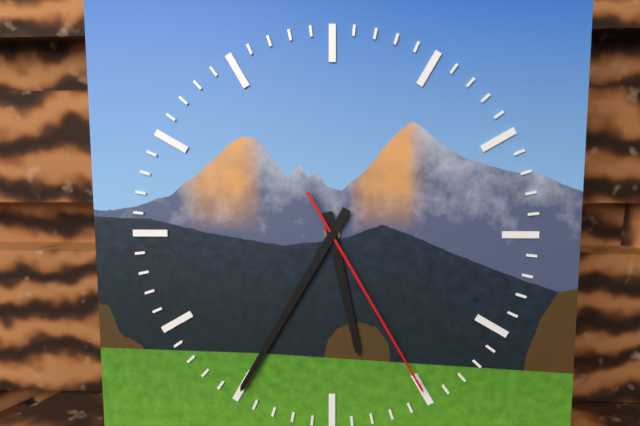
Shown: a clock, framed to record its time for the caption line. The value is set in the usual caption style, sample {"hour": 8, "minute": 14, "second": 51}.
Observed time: {"hour": 5, "minute": 35, "second": 25}
